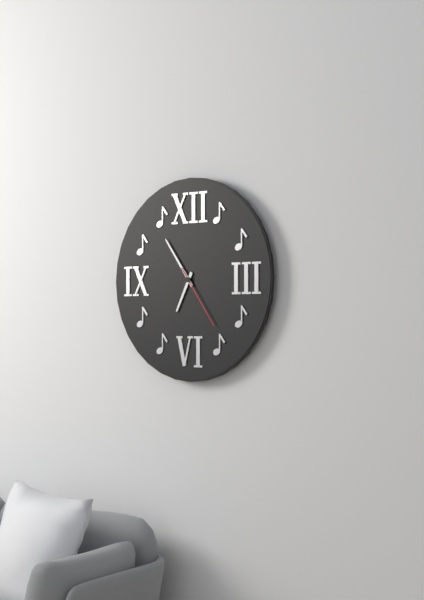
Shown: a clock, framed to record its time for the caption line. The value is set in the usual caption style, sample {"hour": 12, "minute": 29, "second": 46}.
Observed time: {"hour": 6, "minute": 54, "second": 24}
